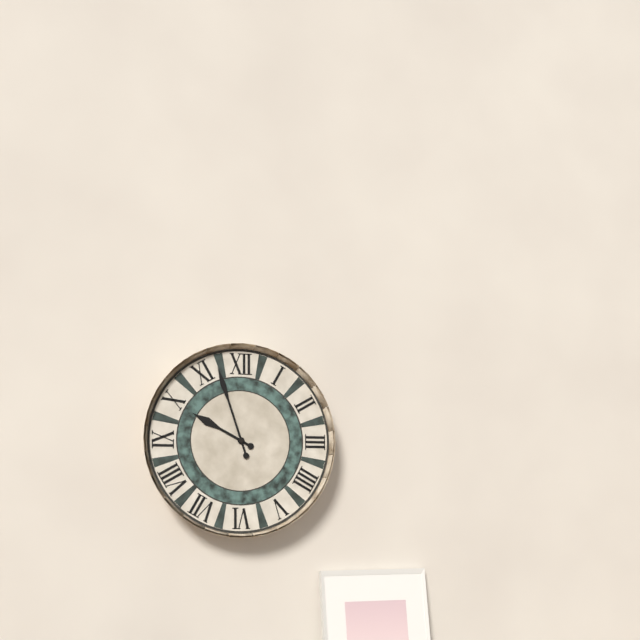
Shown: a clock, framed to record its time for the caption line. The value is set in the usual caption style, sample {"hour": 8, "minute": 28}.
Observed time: {"hour": 9, "minute": 57}
